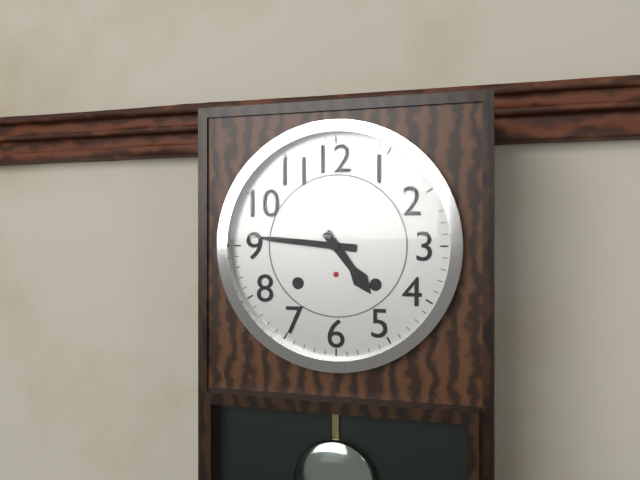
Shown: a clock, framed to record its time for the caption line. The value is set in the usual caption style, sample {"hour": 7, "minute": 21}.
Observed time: {"hour": 4, "minute": 46}
